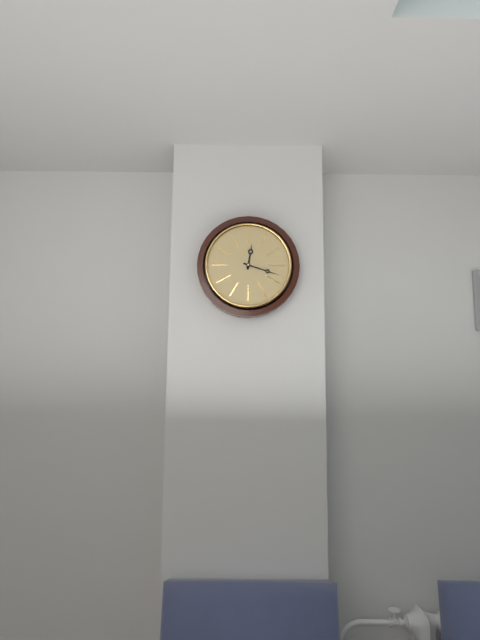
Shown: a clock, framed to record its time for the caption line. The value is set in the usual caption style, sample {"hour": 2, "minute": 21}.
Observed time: {"hour": 12, "minute": 18}
